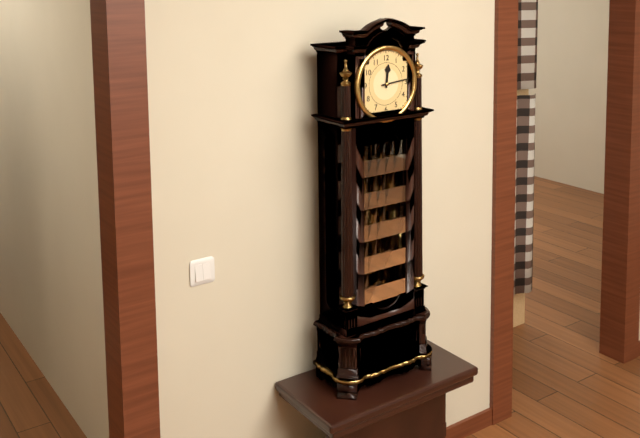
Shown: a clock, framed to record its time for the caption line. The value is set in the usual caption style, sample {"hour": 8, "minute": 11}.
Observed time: {"hour": 12, "minute": 14}
